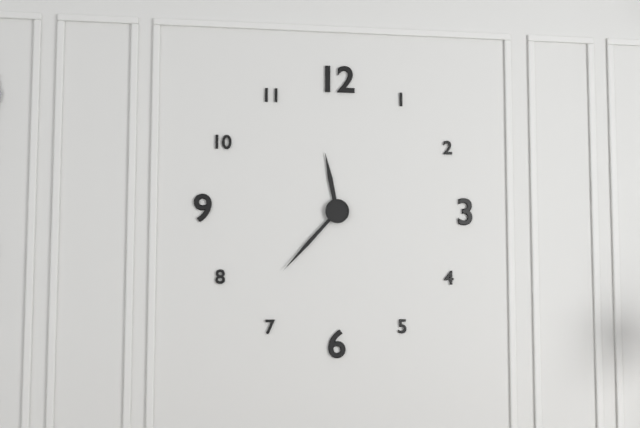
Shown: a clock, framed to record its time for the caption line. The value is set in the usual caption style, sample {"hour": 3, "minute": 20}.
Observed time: {"hour": 11, "minute": 37}
